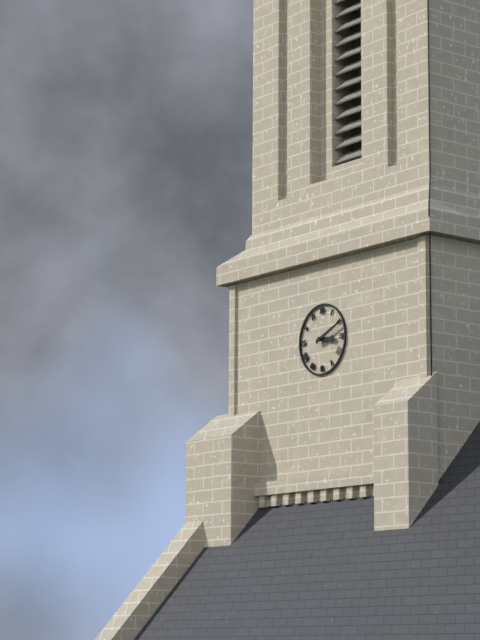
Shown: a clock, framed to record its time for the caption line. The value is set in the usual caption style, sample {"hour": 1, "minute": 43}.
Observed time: {"hour": 3, "minute": 11}
